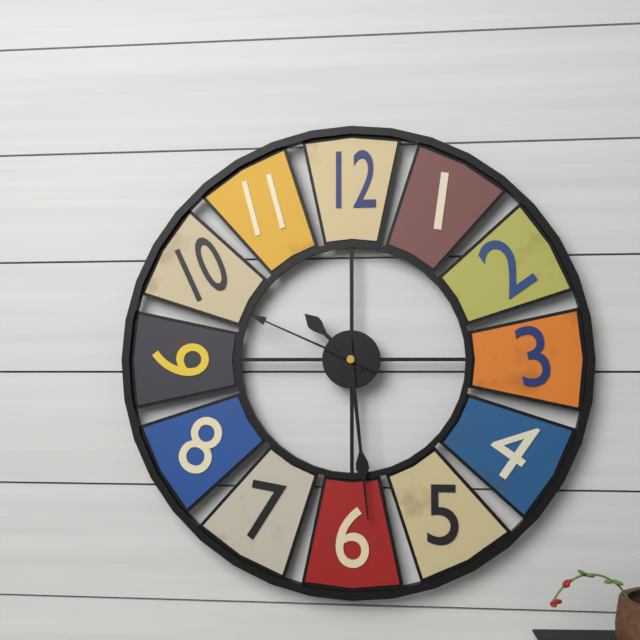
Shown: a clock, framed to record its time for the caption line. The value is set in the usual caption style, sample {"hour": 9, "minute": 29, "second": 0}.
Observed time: {"hour": 10, "minute": 29, "second": 49}
